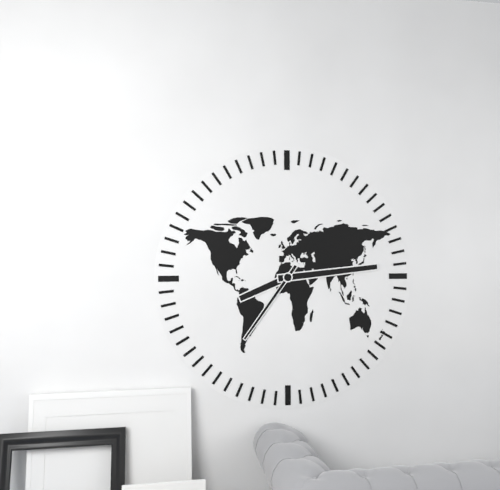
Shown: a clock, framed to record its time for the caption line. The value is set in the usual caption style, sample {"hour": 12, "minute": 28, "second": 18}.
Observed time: {"hour": 8, "minute": 14, "second": 36}
